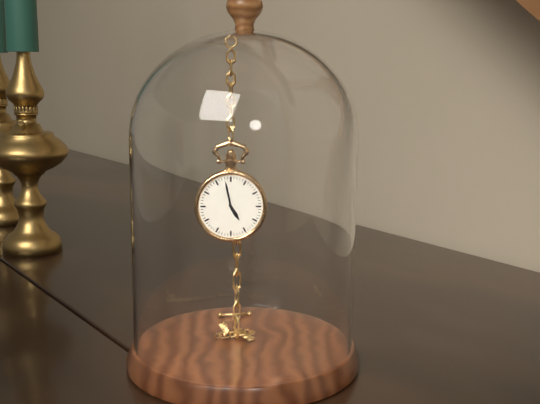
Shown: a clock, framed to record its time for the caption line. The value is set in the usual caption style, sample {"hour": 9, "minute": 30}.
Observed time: {"hour": 4, "minute": 58}
